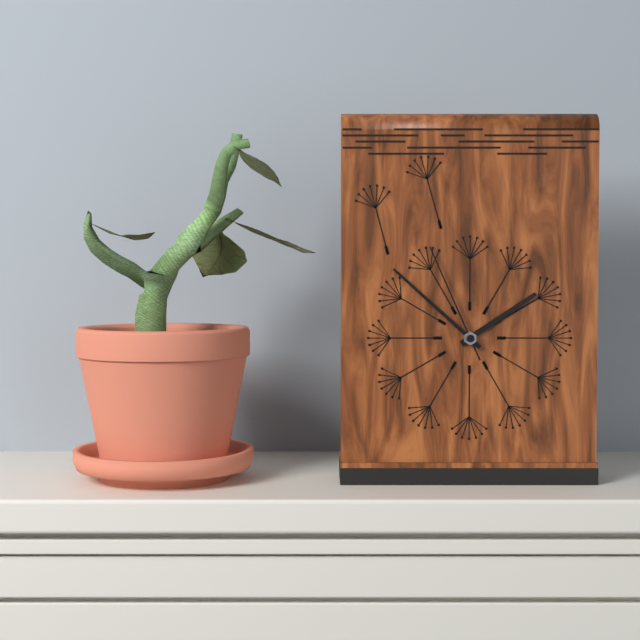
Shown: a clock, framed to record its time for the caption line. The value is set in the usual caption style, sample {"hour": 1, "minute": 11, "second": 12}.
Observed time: {"hour": 1, "minute": 52, "second": 56}
